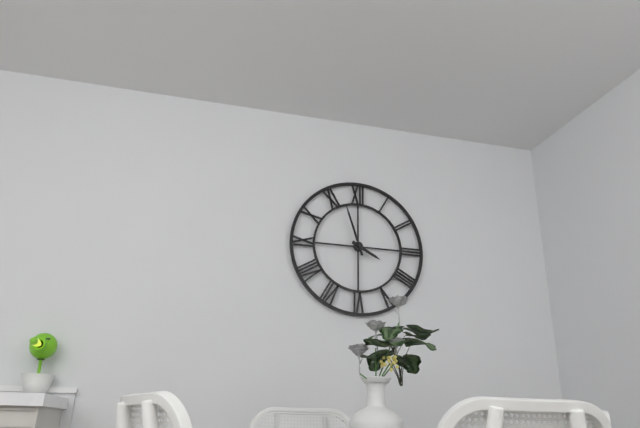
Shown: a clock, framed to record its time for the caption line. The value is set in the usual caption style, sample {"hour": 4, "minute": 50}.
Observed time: {"hour": 3, "minute": 57}
